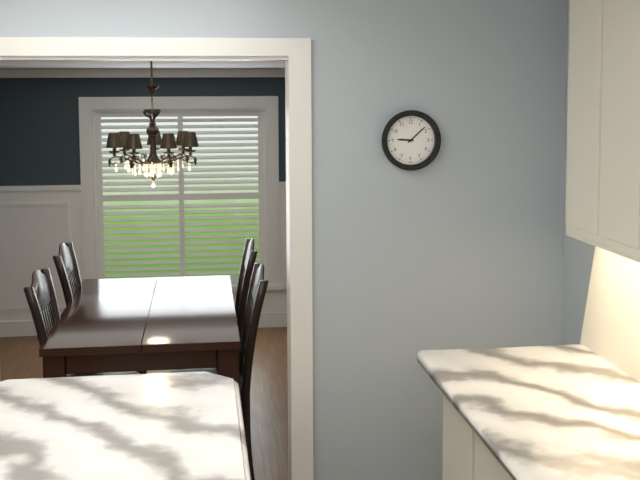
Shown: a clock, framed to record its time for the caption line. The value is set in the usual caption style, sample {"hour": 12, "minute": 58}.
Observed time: {"hour": 9, "minute": 8}
